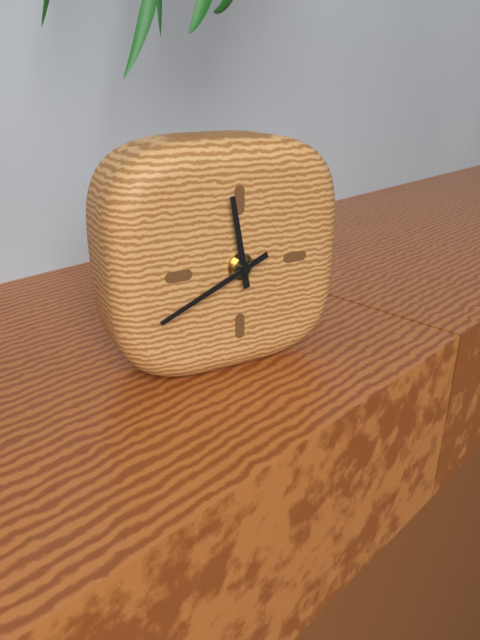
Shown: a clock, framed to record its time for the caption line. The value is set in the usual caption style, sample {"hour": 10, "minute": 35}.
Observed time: {"hour": 11, "minute": 41}
